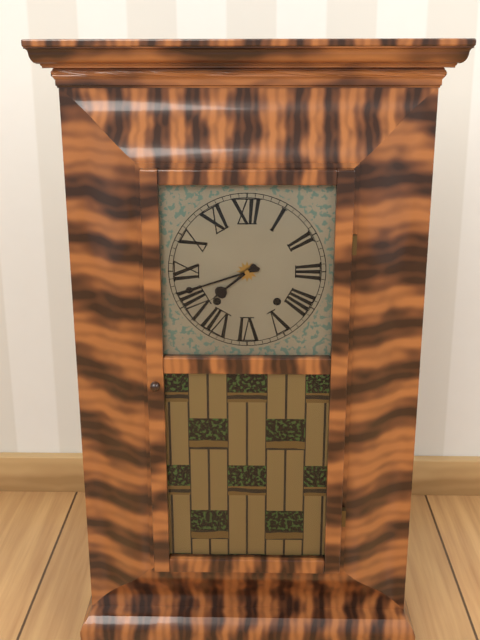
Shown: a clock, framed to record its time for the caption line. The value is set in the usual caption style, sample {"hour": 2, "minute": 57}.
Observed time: {"hour": 7, "minute": 42}
